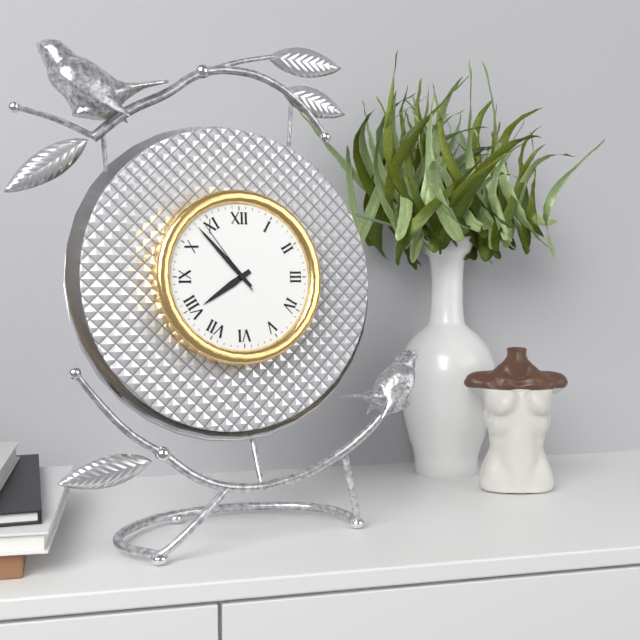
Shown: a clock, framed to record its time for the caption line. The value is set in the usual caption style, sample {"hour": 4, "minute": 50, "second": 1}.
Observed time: {"hour": 7, "minute": 53, "second": 54}
